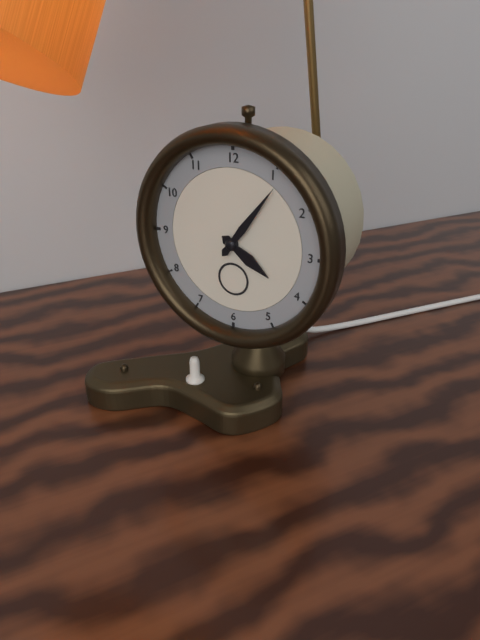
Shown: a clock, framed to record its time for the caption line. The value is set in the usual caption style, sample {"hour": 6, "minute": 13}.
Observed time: {"hour": 4, "minute": 6}
